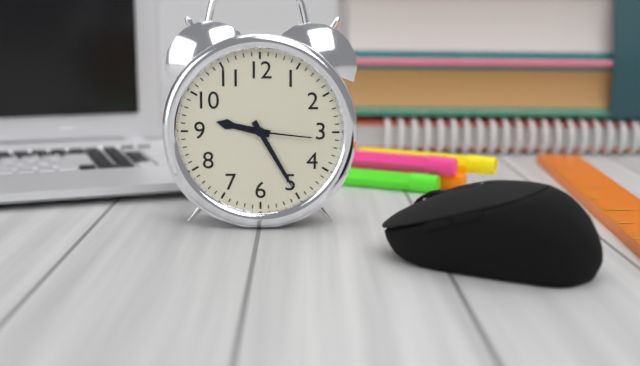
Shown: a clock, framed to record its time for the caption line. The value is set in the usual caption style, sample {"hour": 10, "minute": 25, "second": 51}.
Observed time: {"hour": 9, "minute": 25, "second": 16}
